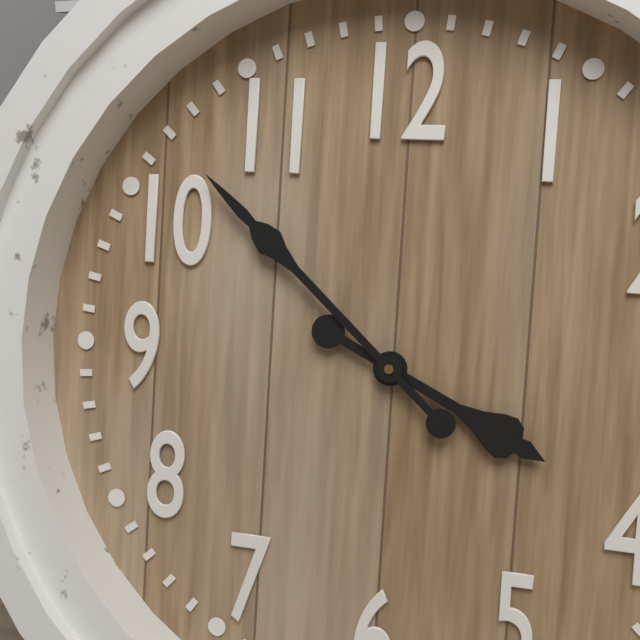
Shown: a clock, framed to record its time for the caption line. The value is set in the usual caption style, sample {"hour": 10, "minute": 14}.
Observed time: {"hour": 3, "minute": 52}
